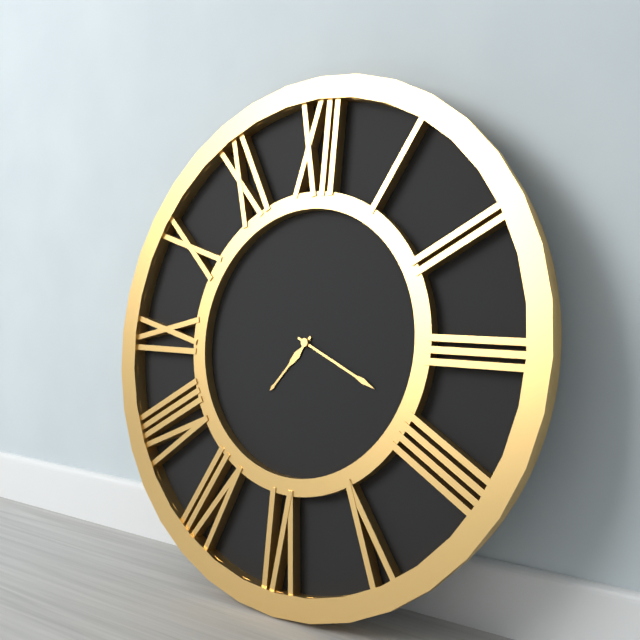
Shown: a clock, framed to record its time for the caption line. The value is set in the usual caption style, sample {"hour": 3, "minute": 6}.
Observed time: {"hour": 7, "minute": 19}
